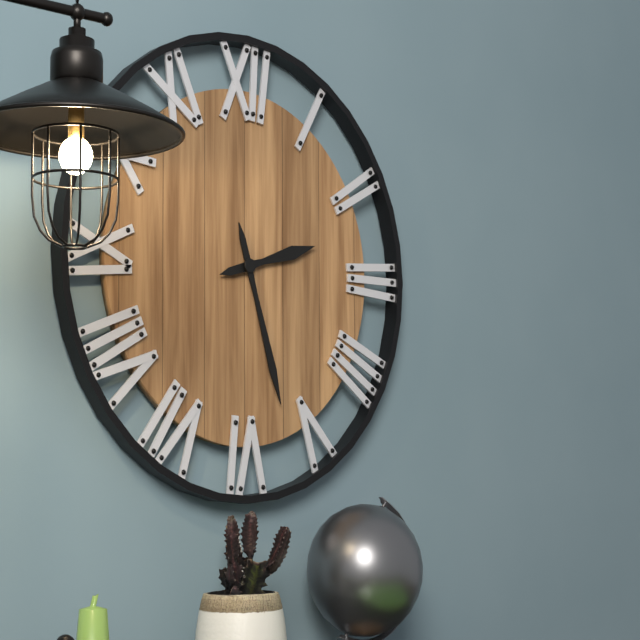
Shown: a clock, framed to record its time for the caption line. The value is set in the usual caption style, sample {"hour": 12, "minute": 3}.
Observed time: {"hour": 2, "minute": 27}
